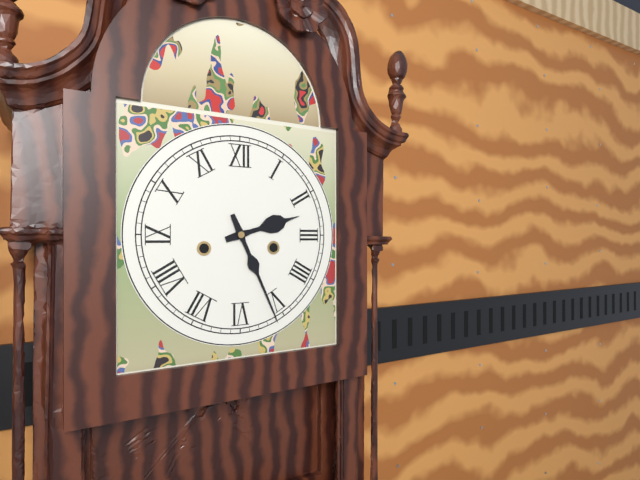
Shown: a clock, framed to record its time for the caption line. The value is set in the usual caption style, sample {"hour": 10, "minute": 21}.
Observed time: {"hour": 2, "minute": 26}
